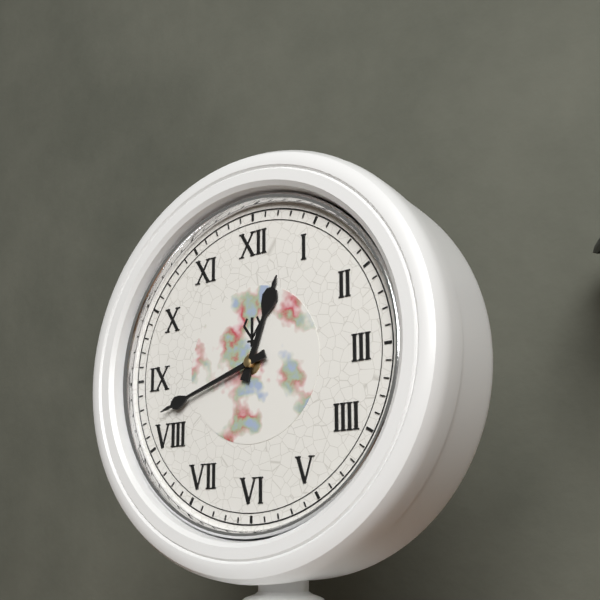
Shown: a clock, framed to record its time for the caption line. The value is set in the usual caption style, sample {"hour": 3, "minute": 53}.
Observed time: {"hour": 12, "minute": 42}
